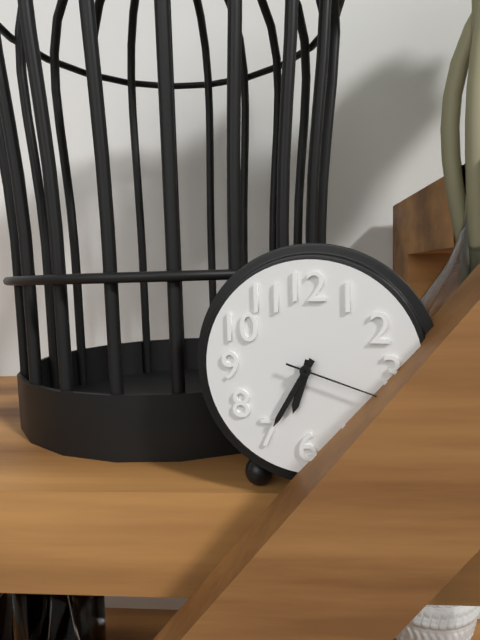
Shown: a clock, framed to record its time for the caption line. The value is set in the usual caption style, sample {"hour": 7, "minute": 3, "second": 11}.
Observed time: {"hour": 6, "minute": 35, "second": 18}
